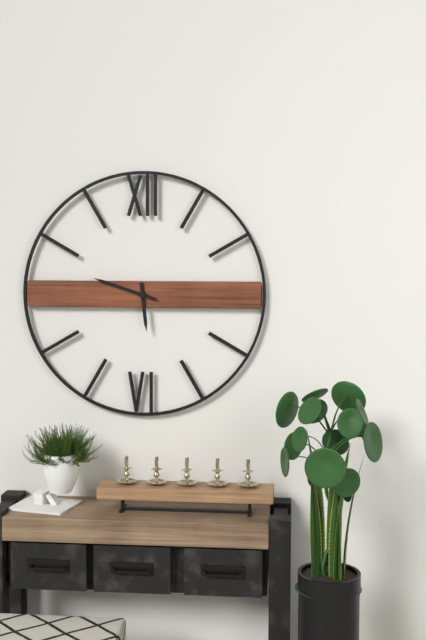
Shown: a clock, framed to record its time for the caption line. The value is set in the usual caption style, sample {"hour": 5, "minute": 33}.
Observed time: {"hour": 5, "minute": 48}
